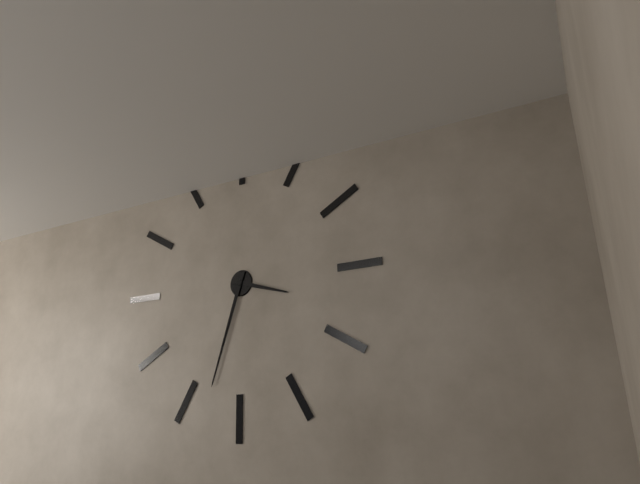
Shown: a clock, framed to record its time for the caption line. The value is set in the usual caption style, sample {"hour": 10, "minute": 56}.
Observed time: {"hour": 3, "minute": 33}
